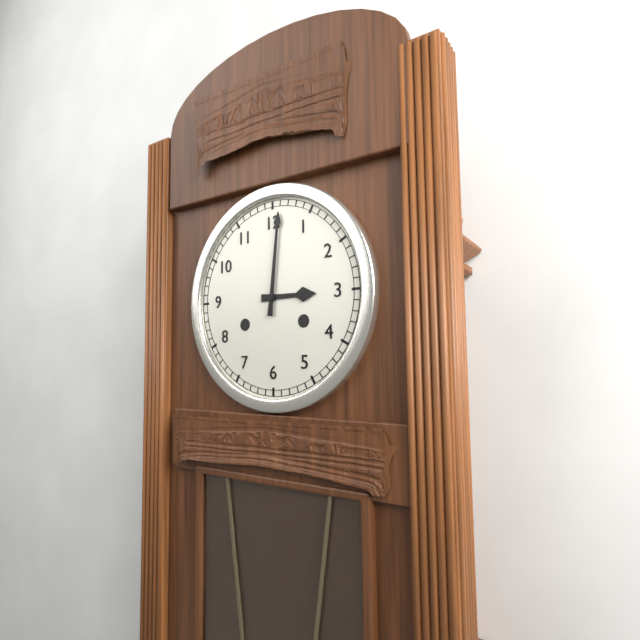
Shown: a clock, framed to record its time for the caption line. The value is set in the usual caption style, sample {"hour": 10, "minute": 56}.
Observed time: {"hour": 3, "minute": 1}
